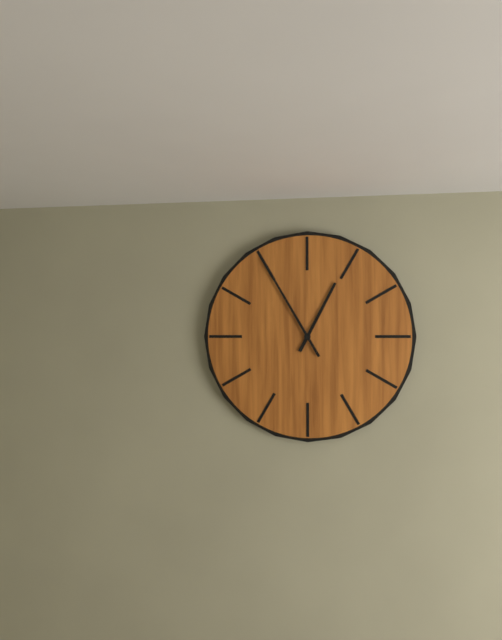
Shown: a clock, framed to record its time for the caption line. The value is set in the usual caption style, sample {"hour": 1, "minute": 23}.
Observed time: {"hour": 12, "minute": 55}
